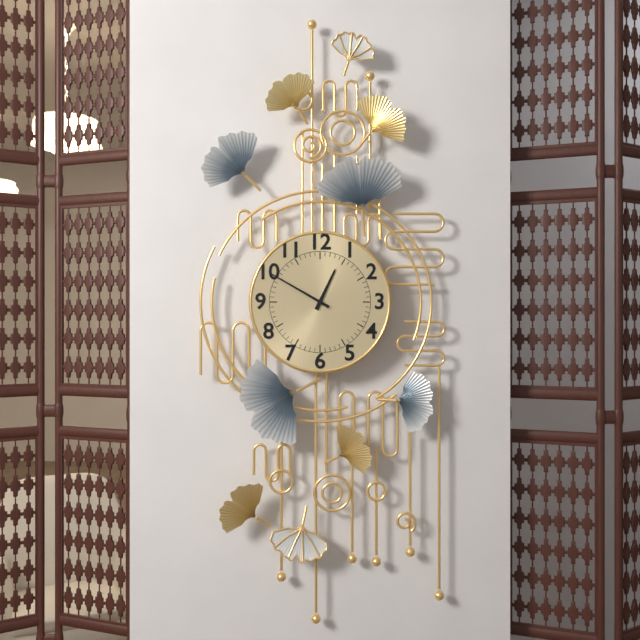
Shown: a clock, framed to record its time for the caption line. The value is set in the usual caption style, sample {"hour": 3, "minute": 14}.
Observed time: {"hour": 12, "minute": 50}
